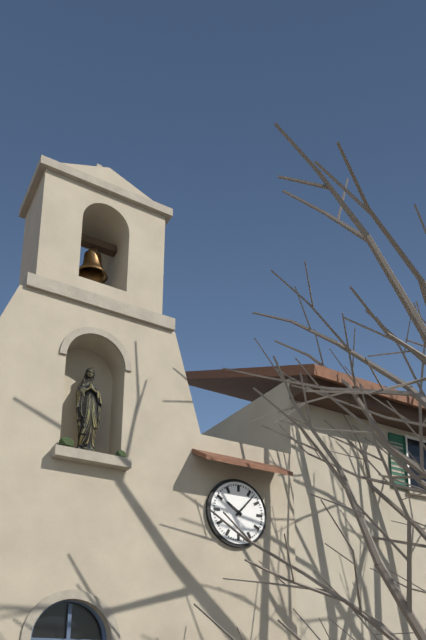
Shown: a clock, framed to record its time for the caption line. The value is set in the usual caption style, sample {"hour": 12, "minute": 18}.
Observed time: {"hour": 10, "minute": 7}
